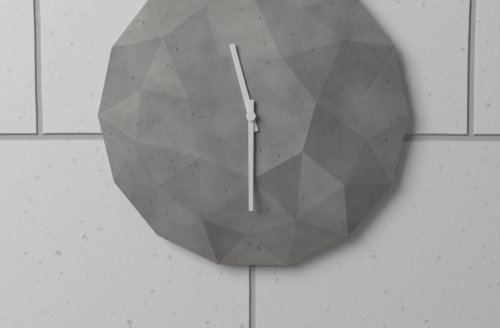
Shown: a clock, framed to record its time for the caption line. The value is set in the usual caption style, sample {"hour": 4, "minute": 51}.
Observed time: {"hour": 11, "minute": 30}
